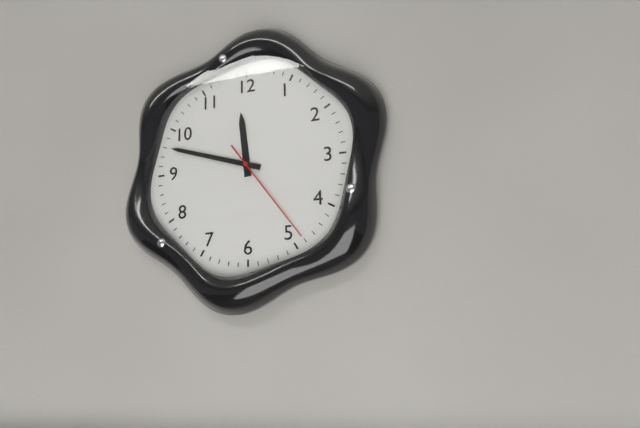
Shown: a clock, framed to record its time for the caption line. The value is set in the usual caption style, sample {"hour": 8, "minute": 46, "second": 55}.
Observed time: {"hour": 11, "minute": 48, "second": 24}
